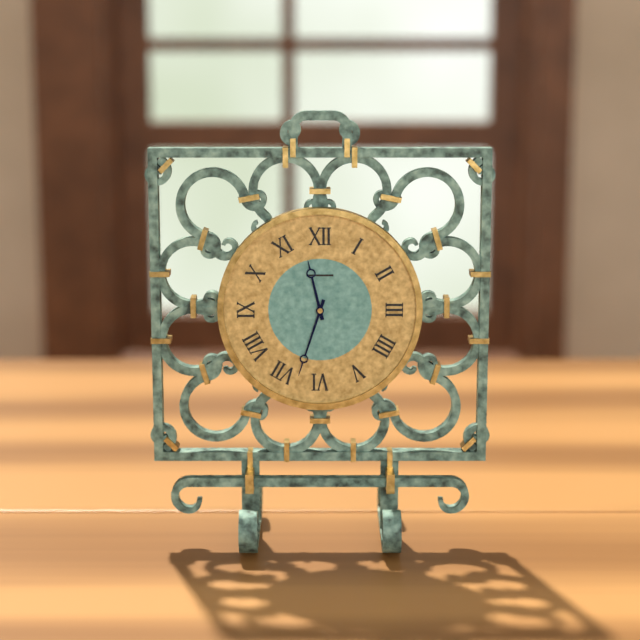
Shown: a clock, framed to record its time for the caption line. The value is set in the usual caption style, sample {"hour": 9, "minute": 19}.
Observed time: {"hour": 11, "minute": 33}
